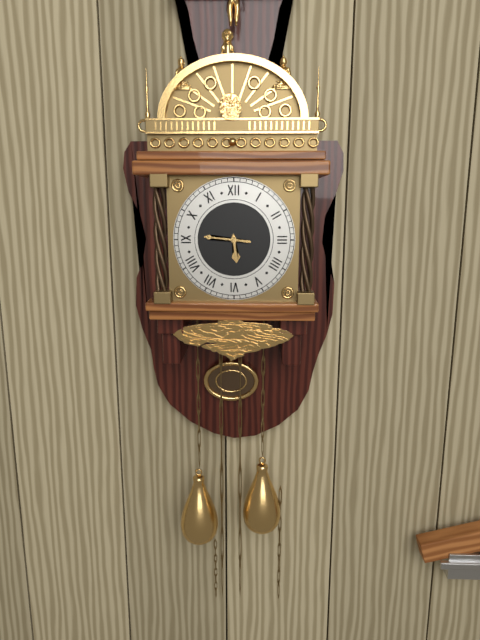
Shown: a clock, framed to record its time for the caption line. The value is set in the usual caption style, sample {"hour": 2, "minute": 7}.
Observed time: {"hour": 5, "minute": 46}
